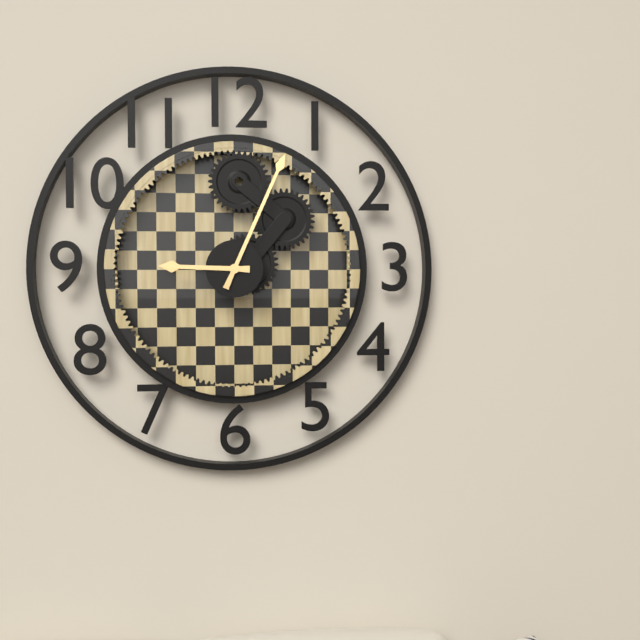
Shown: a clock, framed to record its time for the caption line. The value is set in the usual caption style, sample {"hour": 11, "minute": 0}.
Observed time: {"hour": 9, "minute": 4}
